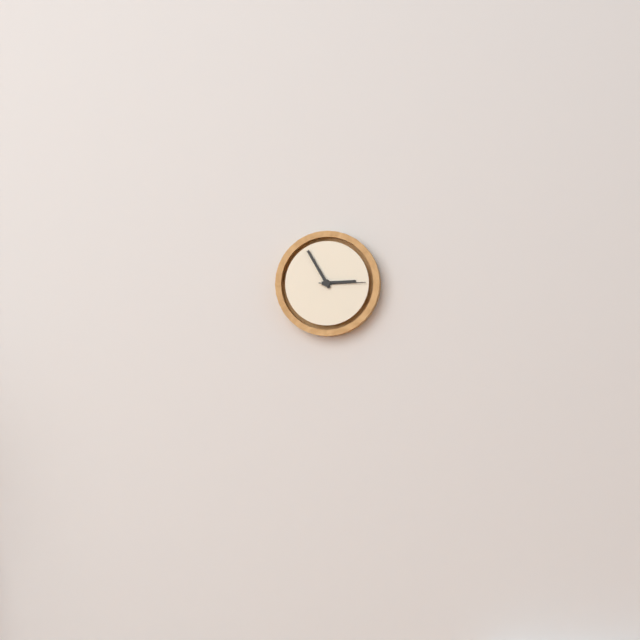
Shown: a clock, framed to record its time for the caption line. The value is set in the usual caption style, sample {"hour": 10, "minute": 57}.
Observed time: {"hour": 2, "minute": 55}
